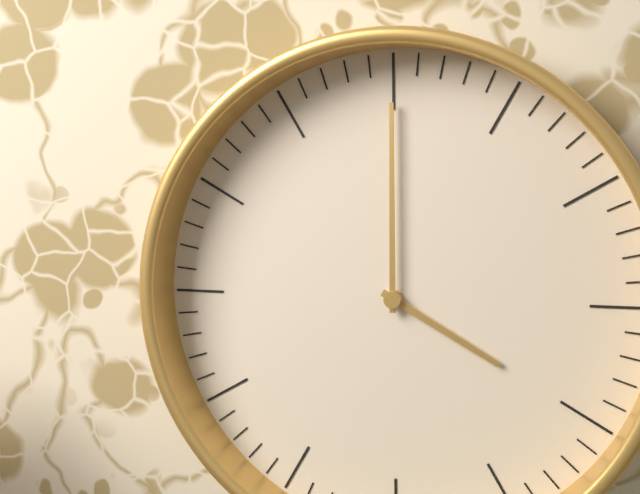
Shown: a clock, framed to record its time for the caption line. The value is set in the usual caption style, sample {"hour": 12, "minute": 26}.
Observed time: {"hour": 4, "minute": 0}
